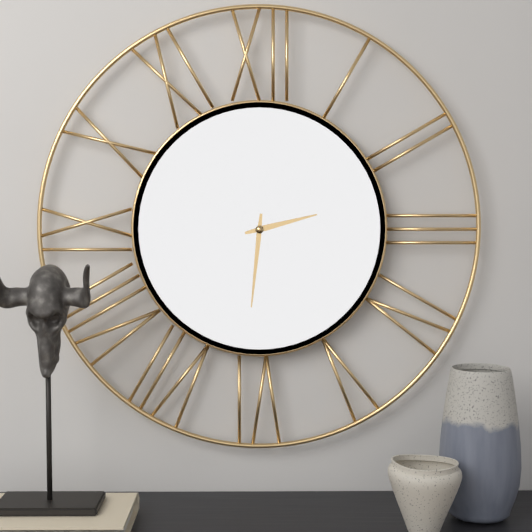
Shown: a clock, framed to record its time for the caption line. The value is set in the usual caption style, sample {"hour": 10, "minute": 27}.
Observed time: {"hour": 2, "minute": 31}
